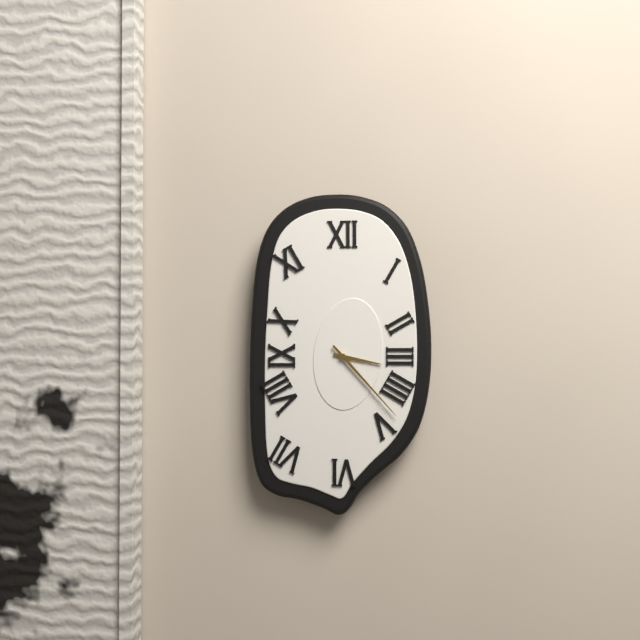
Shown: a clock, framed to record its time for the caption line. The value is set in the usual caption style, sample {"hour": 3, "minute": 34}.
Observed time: {"hour": 3, "minute": 23}
